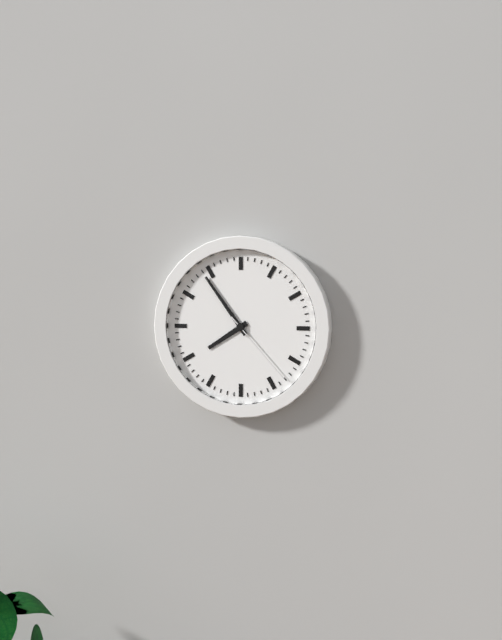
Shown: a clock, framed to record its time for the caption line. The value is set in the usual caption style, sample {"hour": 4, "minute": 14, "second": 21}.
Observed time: {"hour": 7, "minute": 54, "second": 23}
